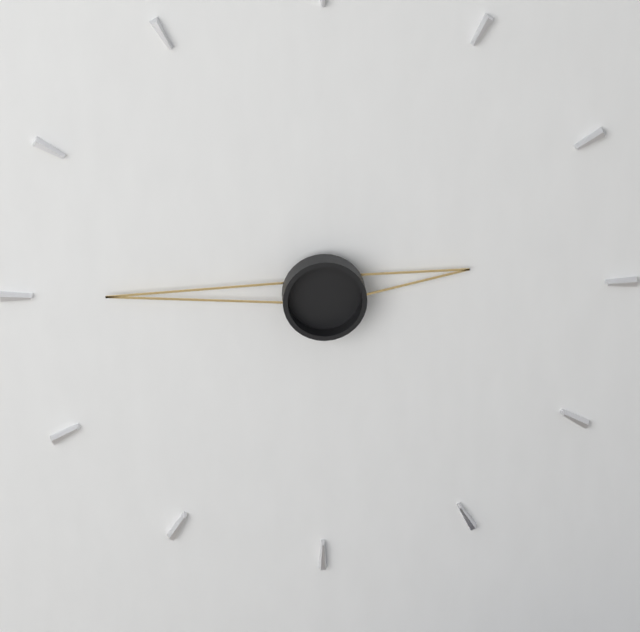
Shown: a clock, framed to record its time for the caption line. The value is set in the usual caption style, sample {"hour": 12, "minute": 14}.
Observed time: {"hour": 2, "minute": 45}
